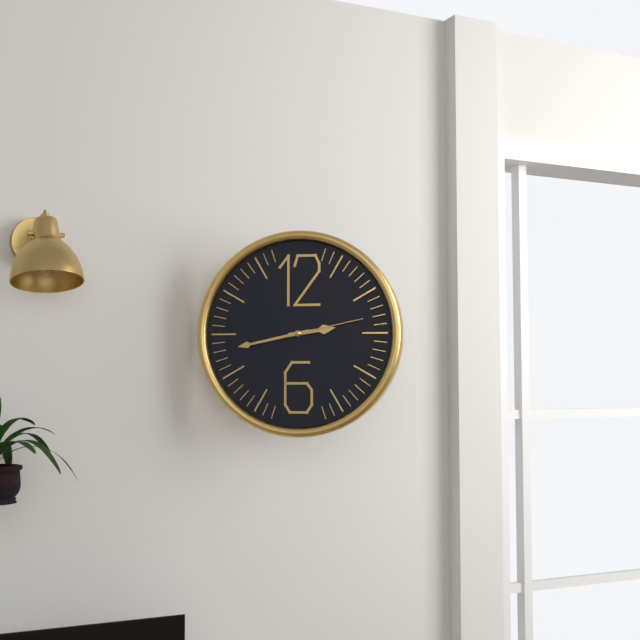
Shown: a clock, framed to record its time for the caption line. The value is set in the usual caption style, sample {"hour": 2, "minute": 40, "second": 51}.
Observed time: {"hour": 2, "minute": 43, "second": 13}
